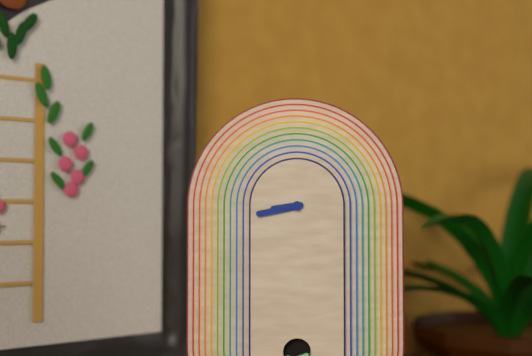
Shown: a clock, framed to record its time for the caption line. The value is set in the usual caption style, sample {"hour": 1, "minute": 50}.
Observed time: {"hour": 8, "minute": 43}
